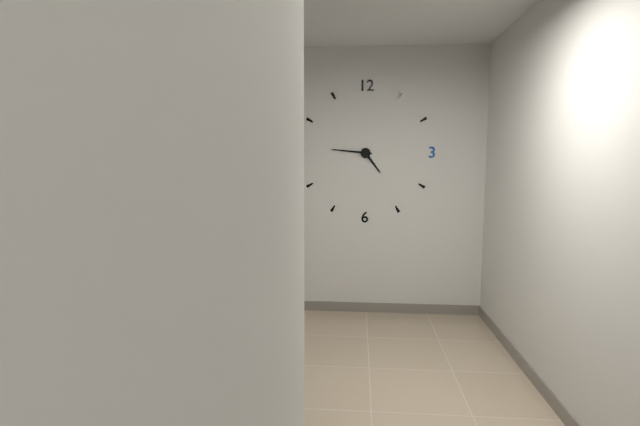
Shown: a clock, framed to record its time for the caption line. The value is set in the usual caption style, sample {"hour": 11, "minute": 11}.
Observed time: {"hour": 4, "minute": 46}
